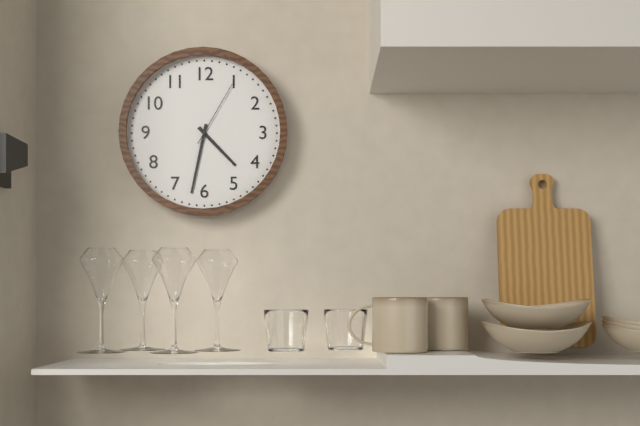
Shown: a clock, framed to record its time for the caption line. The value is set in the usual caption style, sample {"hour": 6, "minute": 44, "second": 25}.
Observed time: {"hour": 4, "minute": 32, "second": 5}
